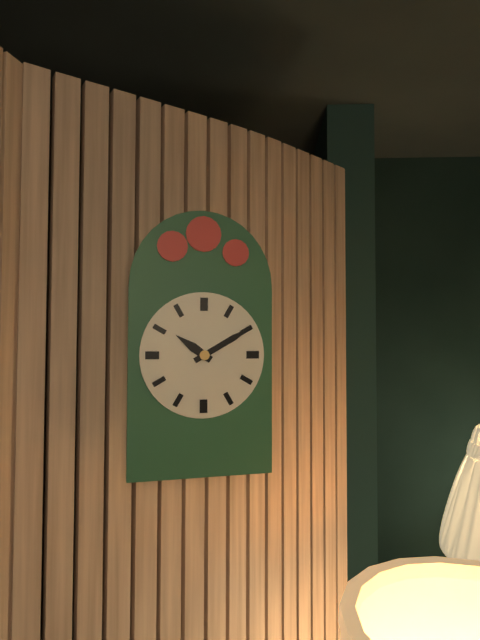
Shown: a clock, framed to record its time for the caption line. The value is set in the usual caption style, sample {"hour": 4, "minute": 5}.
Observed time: {"hour": 10, "minute": 10}
